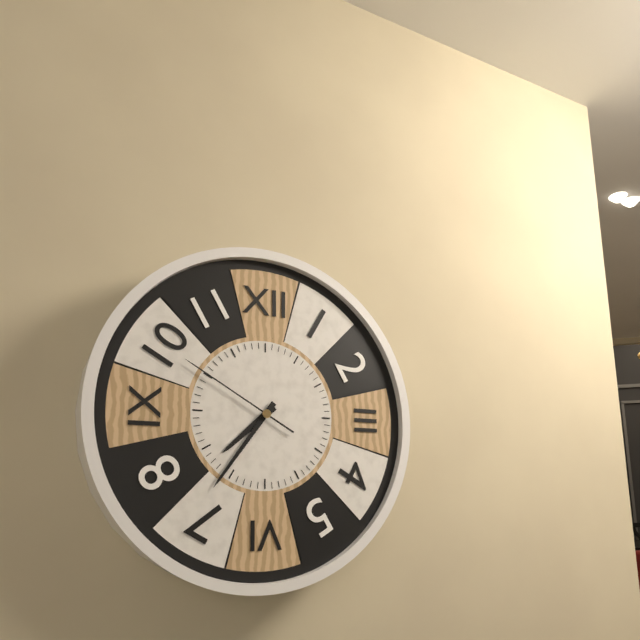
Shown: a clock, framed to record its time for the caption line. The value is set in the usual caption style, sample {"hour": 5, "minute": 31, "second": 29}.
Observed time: {"hour": 7, "minute": 36, "second": 50}
